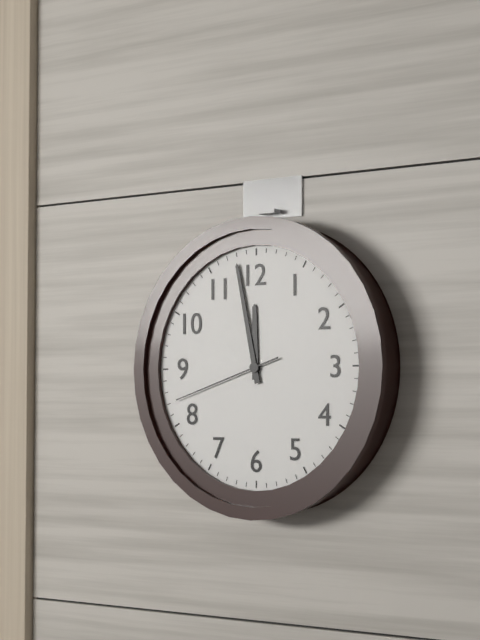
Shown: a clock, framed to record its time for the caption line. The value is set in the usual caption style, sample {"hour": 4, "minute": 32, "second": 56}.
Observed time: {"hour": 11, "minute": 58, "second": 42}
